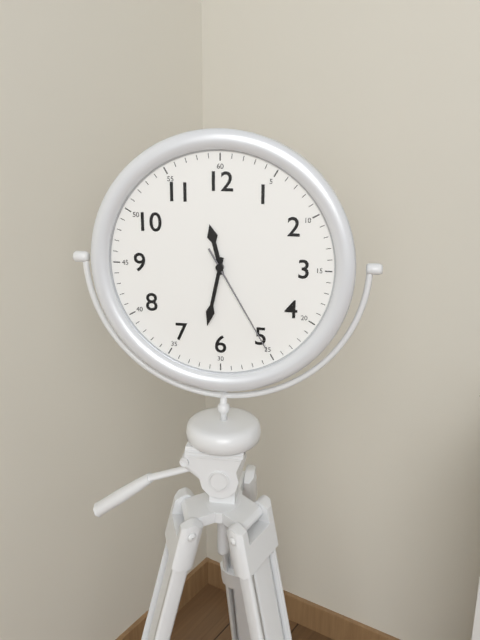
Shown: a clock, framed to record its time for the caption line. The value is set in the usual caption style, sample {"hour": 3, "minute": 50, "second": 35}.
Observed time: {"hour": 11, "minute": 32, "second": 25}
